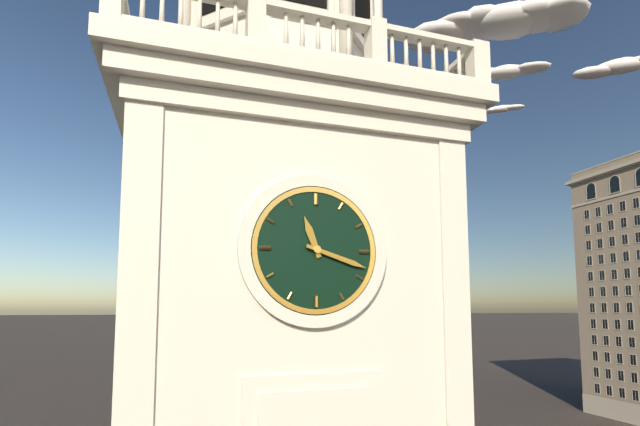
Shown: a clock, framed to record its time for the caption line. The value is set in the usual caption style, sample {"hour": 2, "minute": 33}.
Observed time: {"hour": 11, "minute": 18}
